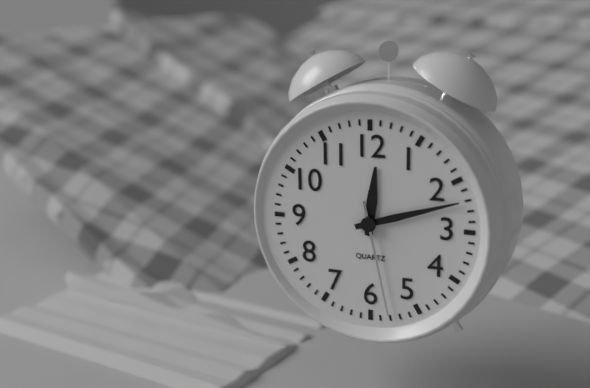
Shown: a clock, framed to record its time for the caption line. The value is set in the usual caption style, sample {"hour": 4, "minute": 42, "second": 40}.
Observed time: {"hour": 12, "minute": 12, "second": 28}
